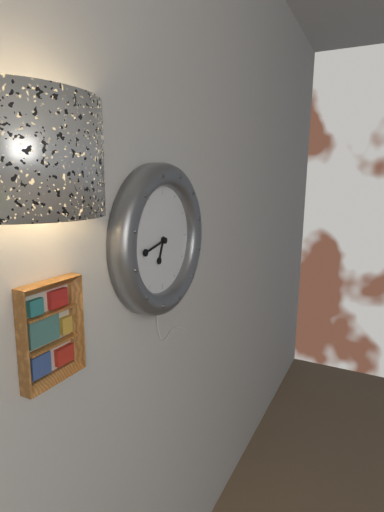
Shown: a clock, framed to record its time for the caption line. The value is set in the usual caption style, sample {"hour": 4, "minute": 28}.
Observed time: {"hour": 6, "minute": 43}
